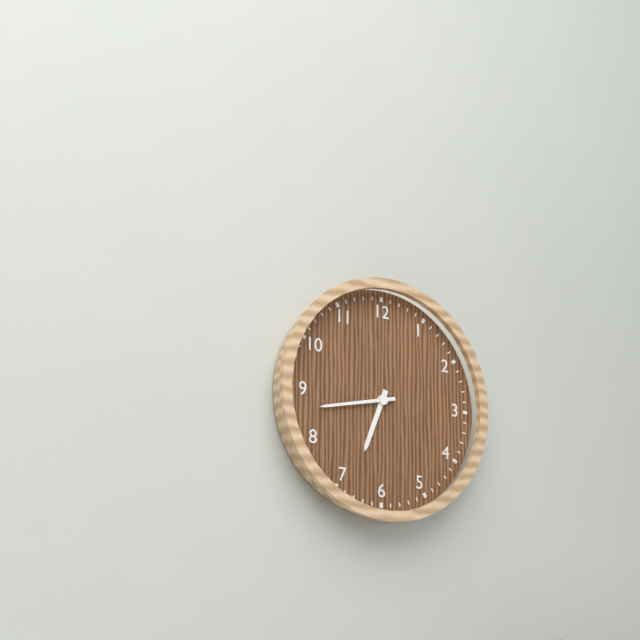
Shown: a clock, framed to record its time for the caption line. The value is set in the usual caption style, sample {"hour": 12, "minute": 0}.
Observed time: {"hour": 6, "minute": 43}
